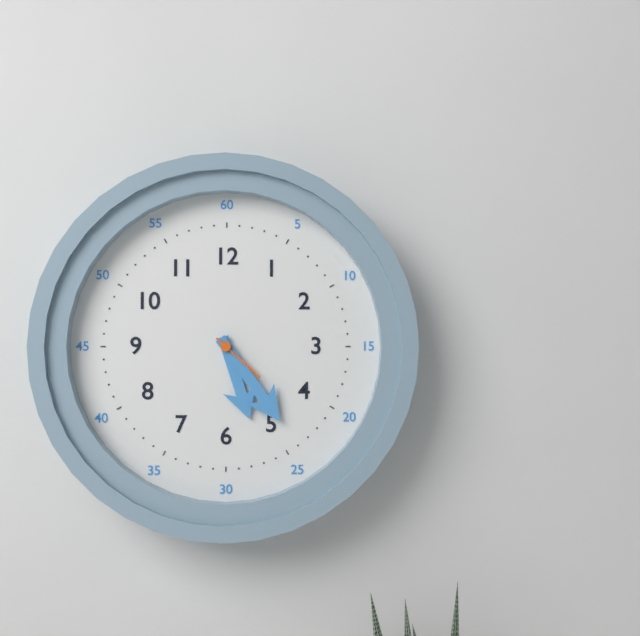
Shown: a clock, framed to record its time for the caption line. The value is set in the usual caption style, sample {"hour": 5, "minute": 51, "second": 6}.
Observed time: {"hour": 5, "minute": 24, "second": 22}
